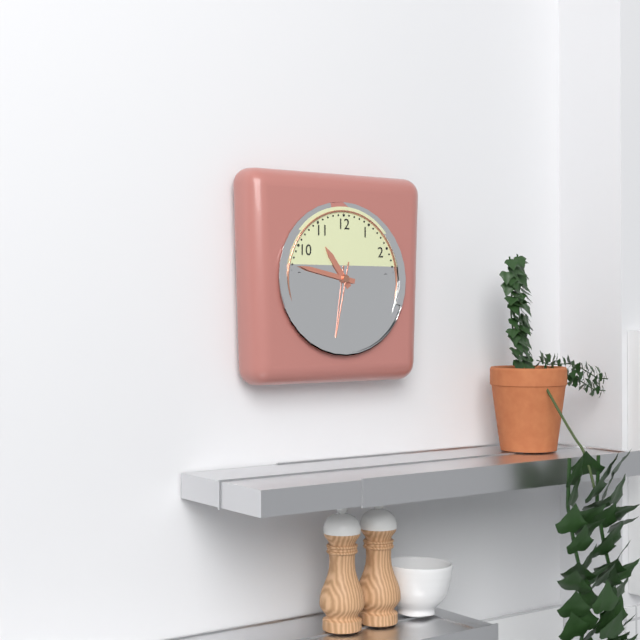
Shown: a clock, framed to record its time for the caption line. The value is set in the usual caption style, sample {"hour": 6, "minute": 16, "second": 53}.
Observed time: {"hour": 10, "minute": 47, "second": 32}
